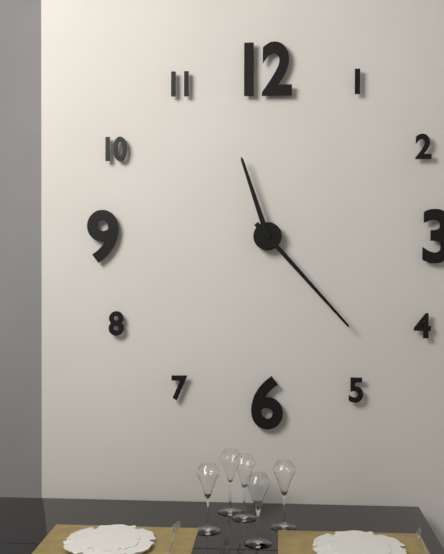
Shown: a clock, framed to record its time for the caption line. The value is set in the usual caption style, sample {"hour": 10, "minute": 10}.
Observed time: {"hour": 11, "minute": 23}
